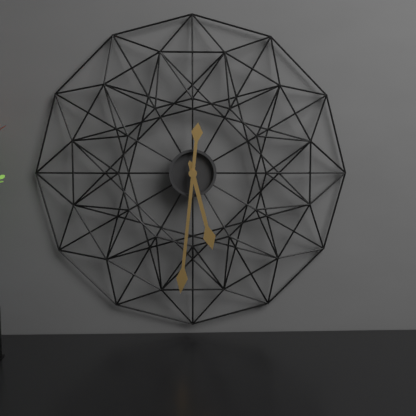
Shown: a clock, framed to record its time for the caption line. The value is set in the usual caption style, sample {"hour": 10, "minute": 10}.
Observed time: {"hour": 5, "minute": 31}
